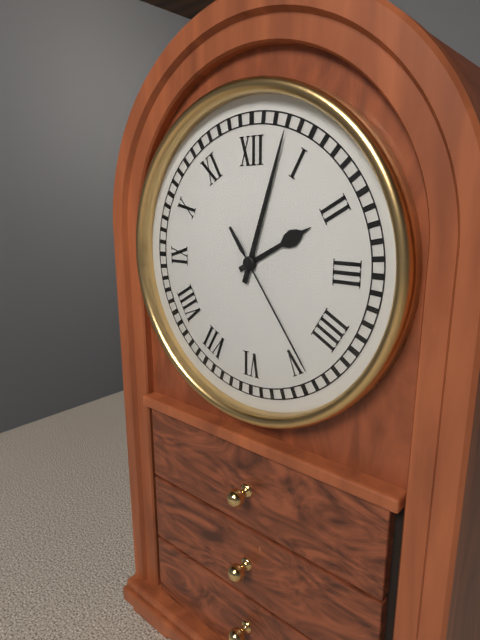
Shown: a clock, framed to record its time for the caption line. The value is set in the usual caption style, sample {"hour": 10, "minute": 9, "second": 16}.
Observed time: {"hour": 2, "minute": 3, "second": 24}
